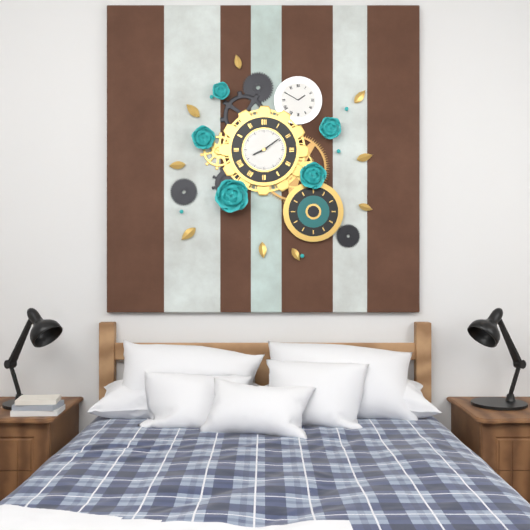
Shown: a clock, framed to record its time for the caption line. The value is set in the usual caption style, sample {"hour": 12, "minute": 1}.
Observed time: {"hour": 8, "minute": 9}
